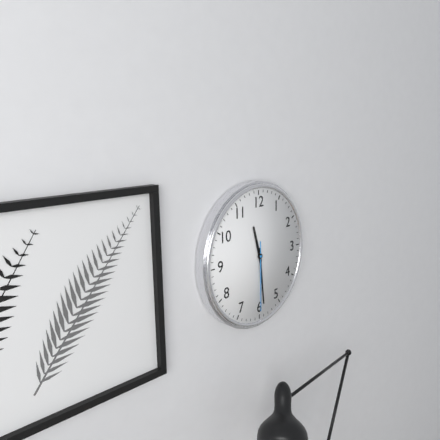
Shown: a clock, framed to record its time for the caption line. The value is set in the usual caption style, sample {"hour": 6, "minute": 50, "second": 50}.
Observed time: {"hour": 11, "minute": 29, "second": 30}
